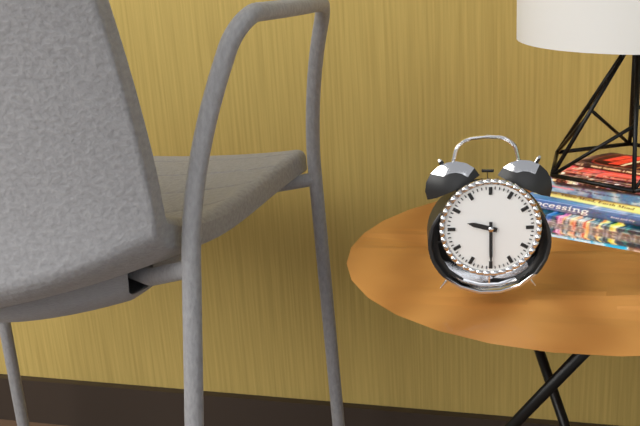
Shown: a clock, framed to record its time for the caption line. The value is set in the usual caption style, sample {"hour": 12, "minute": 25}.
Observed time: {"hour": 9, "minute": 30}
